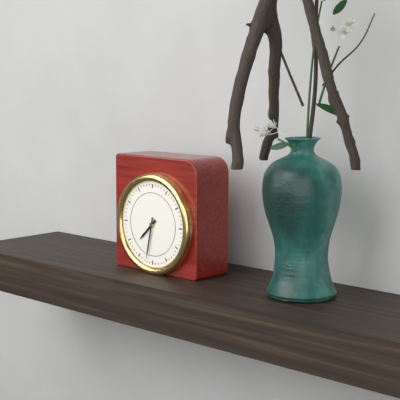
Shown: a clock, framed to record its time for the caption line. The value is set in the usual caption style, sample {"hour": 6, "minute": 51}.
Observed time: {"hour": 7, "minute": 32}
